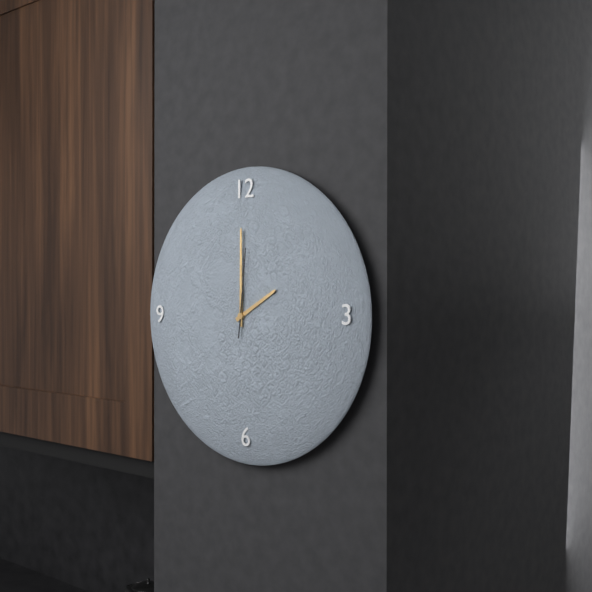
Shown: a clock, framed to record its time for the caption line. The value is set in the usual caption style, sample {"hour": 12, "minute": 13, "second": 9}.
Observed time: {"hour": 2, "minute": 0, "second": 1}
